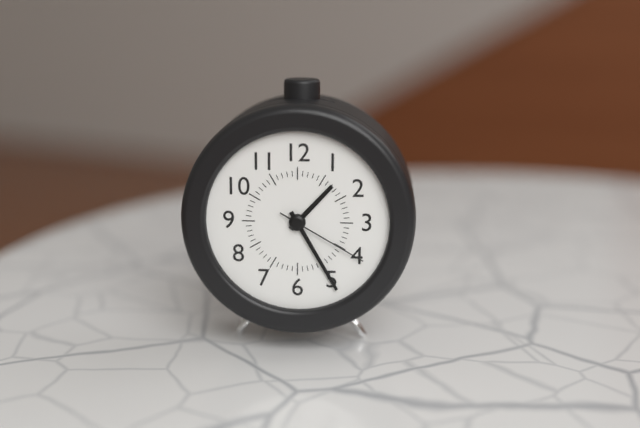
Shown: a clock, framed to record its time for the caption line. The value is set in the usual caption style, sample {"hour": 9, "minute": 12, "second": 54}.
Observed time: {"hour": 1, "minute": 25, "second": 20}
